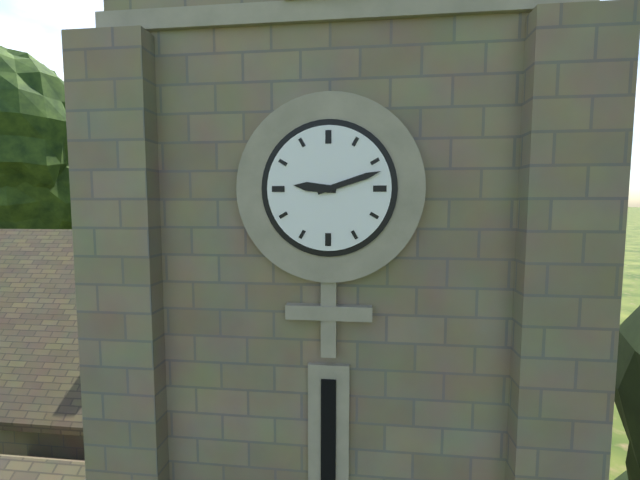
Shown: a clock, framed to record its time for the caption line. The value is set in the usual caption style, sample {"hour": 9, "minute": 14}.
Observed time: {"hour": 9, "minute": 12}
